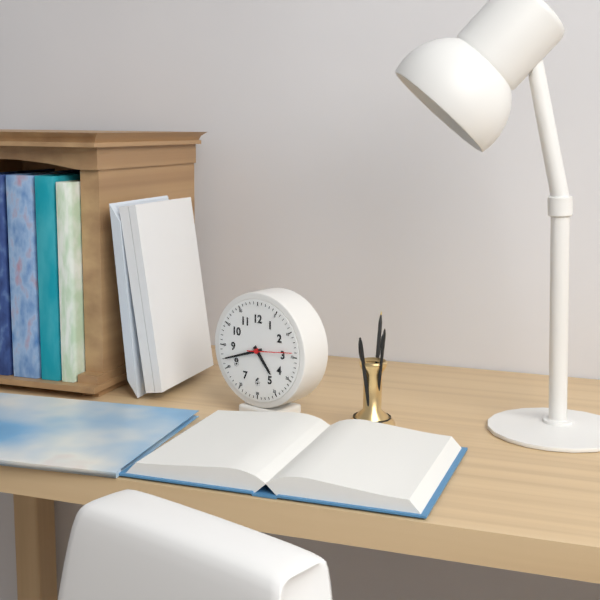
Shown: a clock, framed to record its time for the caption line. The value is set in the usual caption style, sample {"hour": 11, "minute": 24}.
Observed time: {"hour": 4, "minute": 42}
